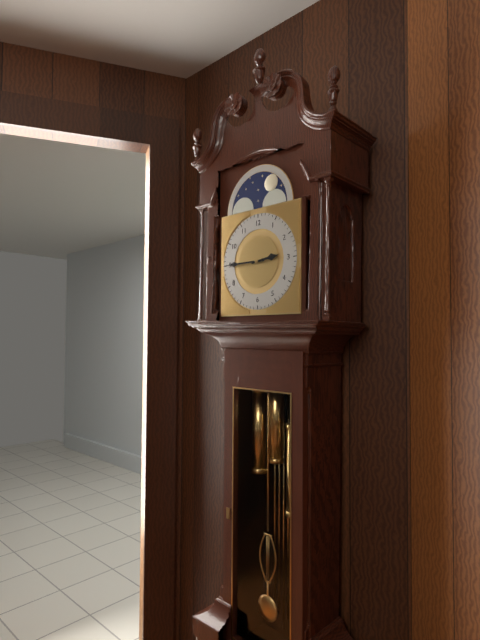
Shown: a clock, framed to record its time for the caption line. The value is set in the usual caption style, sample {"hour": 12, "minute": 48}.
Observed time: {"hour": 2, "minute": 45}
